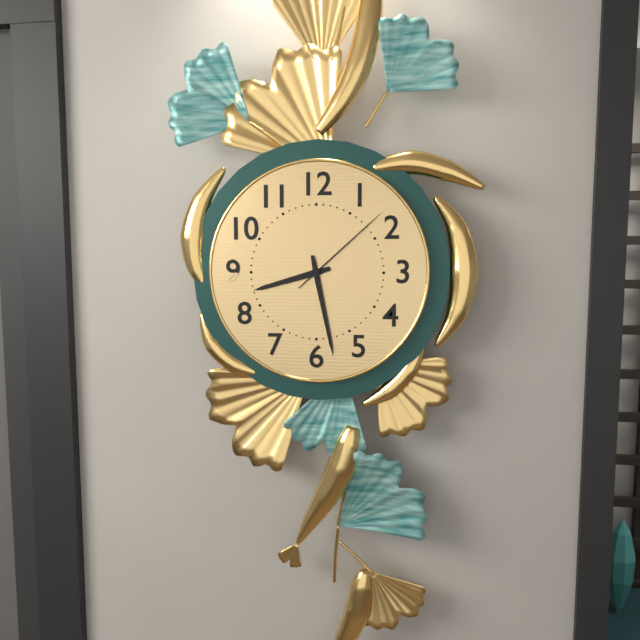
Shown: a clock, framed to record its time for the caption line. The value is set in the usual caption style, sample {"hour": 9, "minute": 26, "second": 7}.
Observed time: {"hour": 8, "minute": 28, "second": 8}
